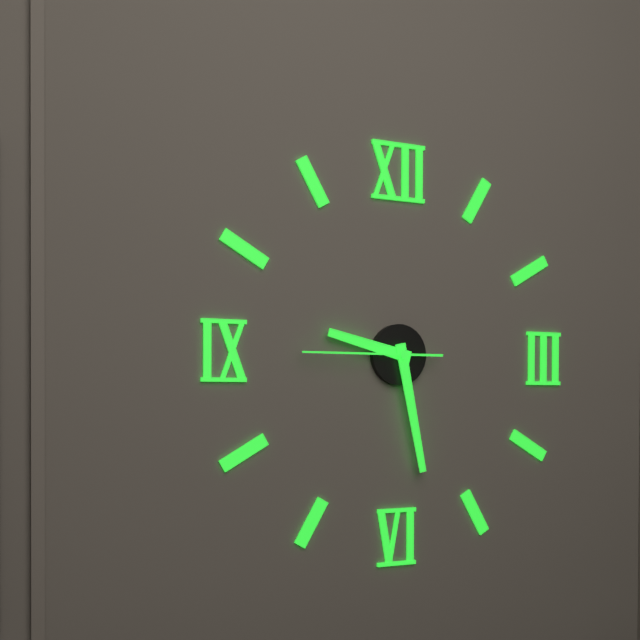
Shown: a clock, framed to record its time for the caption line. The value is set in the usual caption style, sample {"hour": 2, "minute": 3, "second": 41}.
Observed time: {"hour": 9, "minute": 28, "second": 45}
